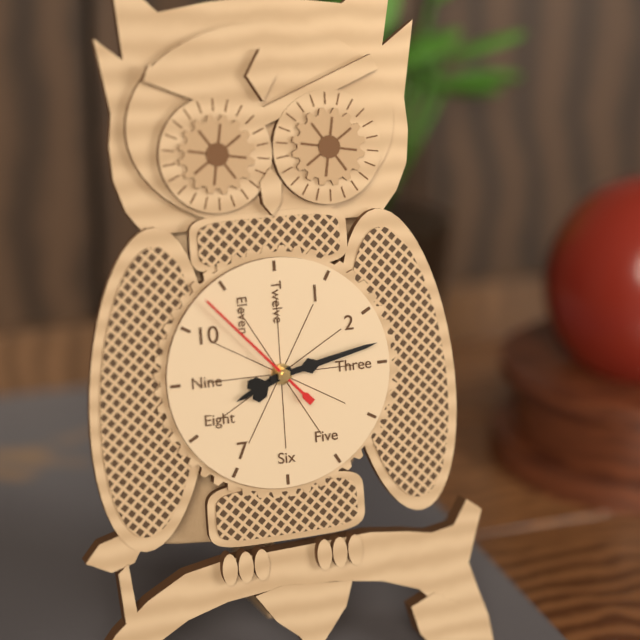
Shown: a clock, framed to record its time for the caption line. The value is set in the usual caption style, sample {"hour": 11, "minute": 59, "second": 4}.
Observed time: {"hour": 8, "minute": 13, "second": 53}
